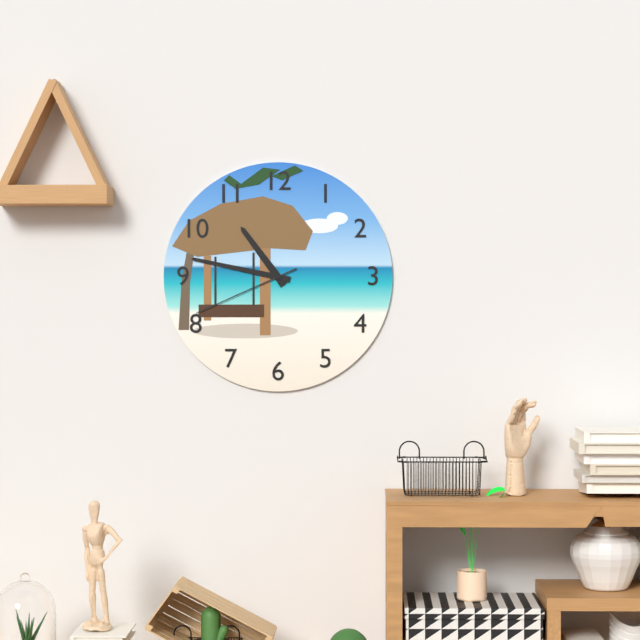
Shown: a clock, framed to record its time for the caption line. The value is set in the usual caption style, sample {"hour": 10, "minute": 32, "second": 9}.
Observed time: {"hour": 10, "minute": 47, "second": 41}
